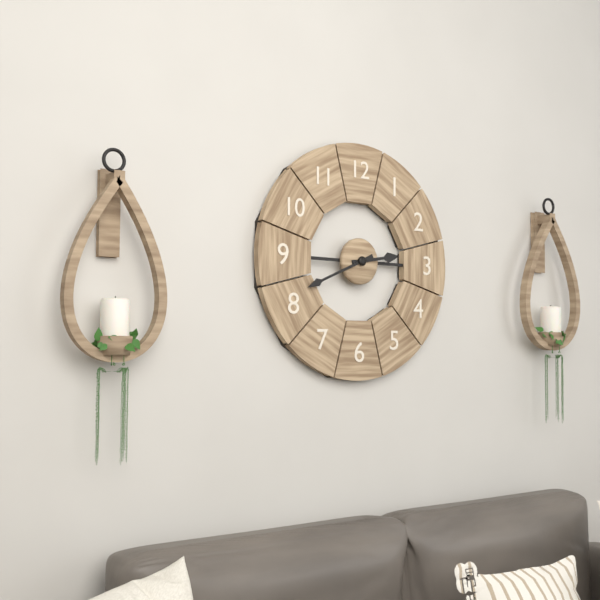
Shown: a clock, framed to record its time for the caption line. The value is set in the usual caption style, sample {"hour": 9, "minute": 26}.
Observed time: {"hour": 2, "minute": 41}
